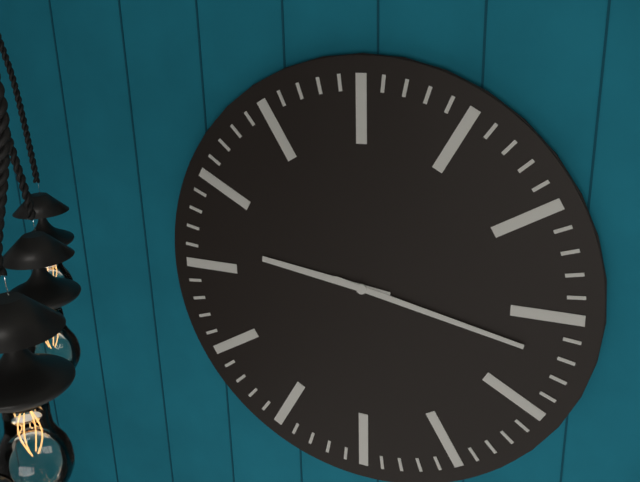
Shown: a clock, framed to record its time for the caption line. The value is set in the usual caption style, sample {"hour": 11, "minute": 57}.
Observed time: {"hour": 9, "minute": 17}
